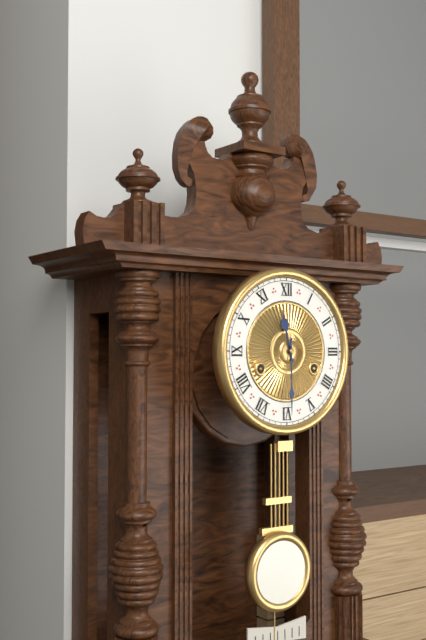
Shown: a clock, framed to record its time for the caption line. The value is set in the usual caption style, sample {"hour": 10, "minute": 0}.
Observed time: {"hour": 11, "minute": 30}
